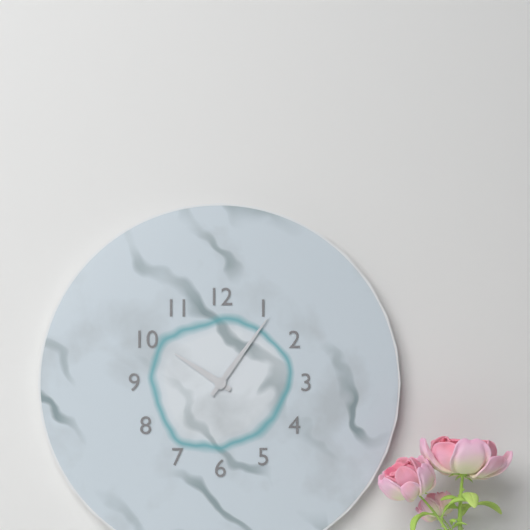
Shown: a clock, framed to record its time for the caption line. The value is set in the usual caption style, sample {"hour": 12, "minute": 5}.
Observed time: {"hour": 10, "minute": 6}
